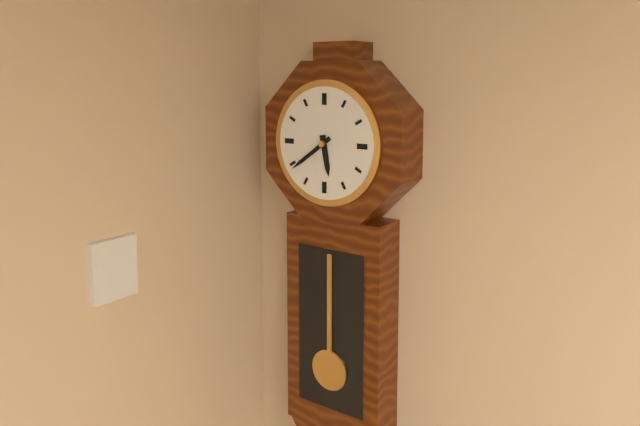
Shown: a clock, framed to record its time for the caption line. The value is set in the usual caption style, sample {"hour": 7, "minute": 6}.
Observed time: {"hour": 5, "minute": 39}
